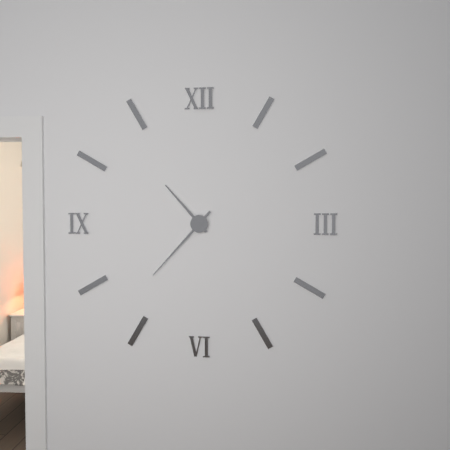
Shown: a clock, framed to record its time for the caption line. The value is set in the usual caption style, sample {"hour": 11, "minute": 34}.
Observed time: {"hour": 10, "minute": 37}
